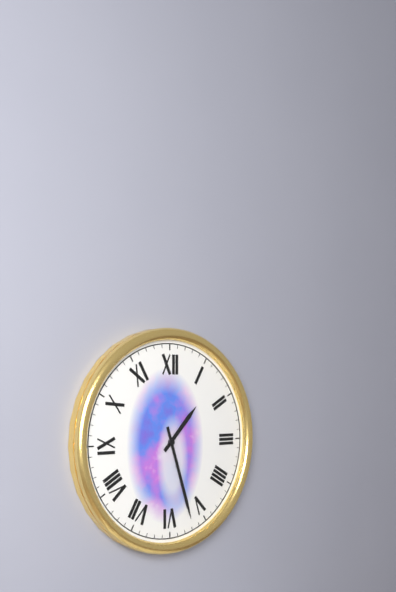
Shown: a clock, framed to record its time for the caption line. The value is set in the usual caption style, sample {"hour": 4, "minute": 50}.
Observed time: {"hour": 1, "minute": 27}
